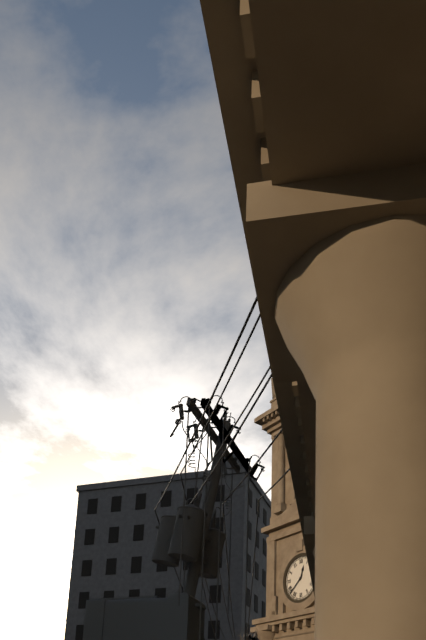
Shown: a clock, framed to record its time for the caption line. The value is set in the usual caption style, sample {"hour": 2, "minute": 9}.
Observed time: {"hour": 12, "minute": 38}
